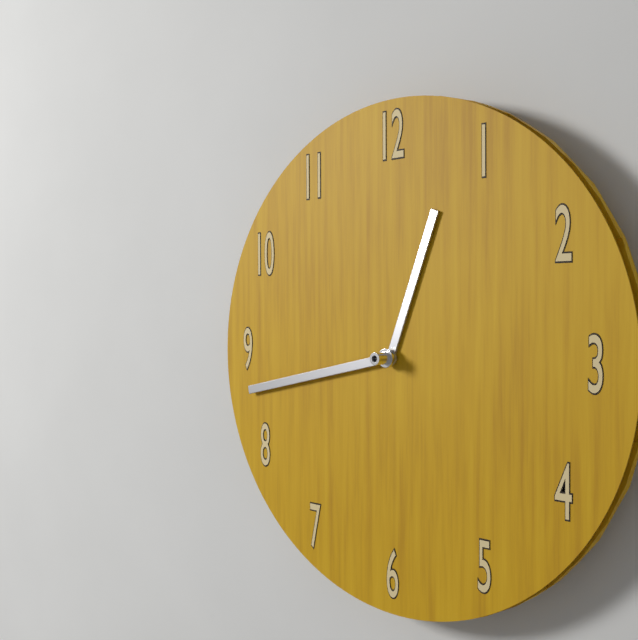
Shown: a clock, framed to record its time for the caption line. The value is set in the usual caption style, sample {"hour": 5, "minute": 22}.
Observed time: {"hour": 12, "minute": 43}
